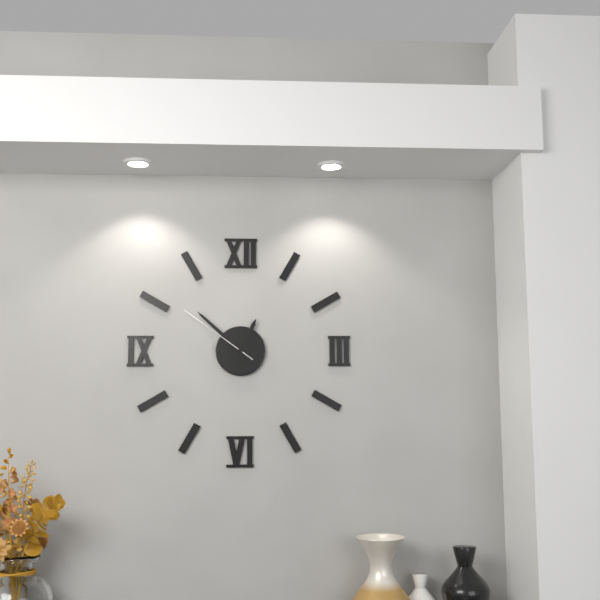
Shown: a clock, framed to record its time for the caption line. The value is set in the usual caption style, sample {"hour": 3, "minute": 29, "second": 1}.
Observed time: {"hour": 12, "minute": 52, "second": 51}
